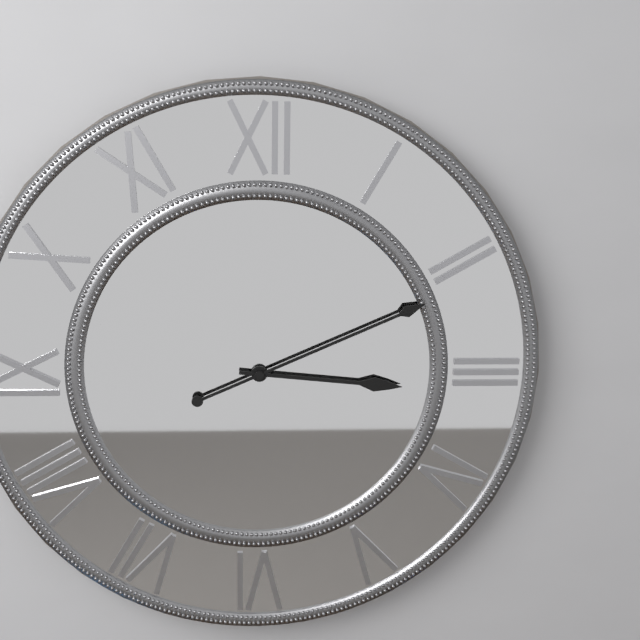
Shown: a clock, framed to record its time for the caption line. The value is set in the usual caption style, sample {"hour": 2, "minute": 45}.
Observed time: {"hour": 3, "minute": 11}
